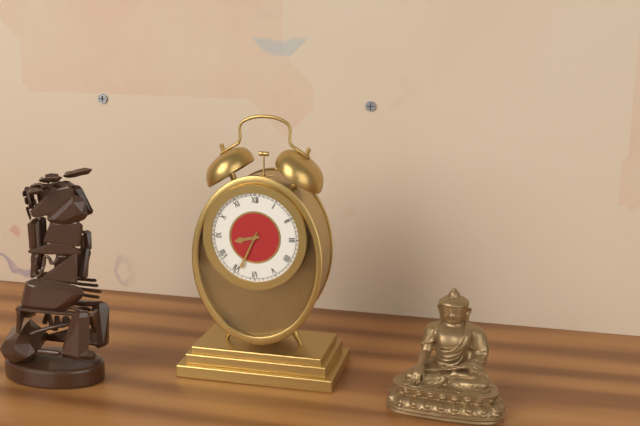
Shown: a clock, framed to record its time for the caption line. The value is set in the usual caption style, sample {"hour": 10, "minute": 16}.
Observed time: {"hour": 8, "minute": 34}
